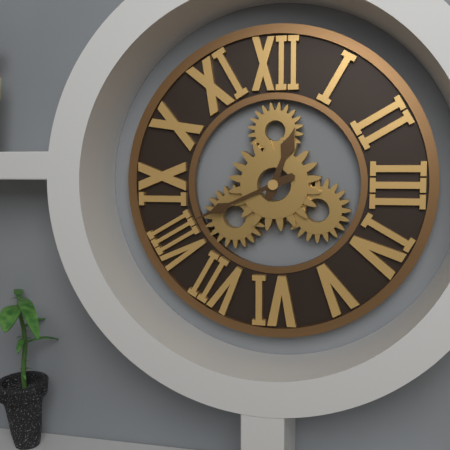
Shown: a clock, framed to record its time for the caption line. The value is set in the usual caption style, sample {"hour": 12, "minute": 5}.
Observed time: {"hour": 12, "minute": 41}
